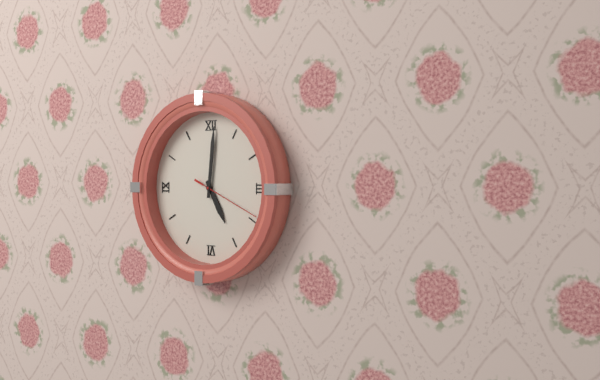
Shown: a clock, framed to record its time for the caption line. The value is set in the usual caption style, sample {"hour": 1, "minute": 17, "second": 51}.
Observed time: {"hour": 5, "minute": 1, "second": 19}
